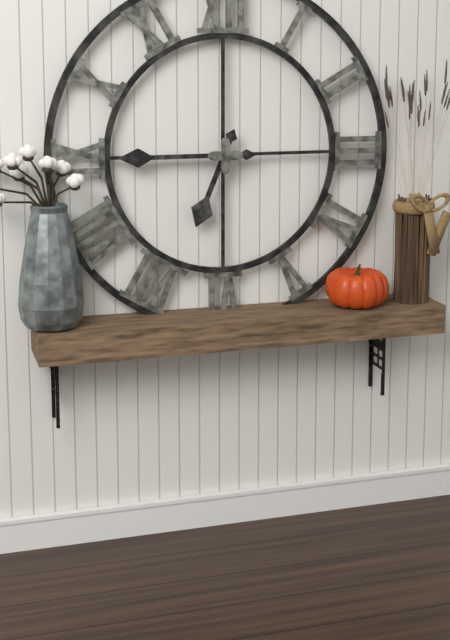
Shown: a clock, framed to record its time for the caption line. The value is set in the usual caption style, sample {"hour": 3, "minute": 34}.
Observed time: {"hour": 6, "minute": 45}
